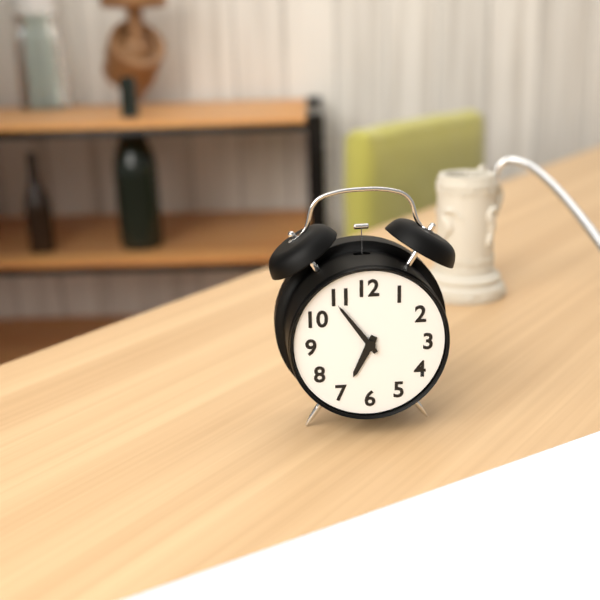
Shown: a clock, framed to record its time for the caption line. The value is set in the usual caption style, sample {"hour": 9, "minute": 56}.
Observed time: {"hour": 6, "minute": 54}
